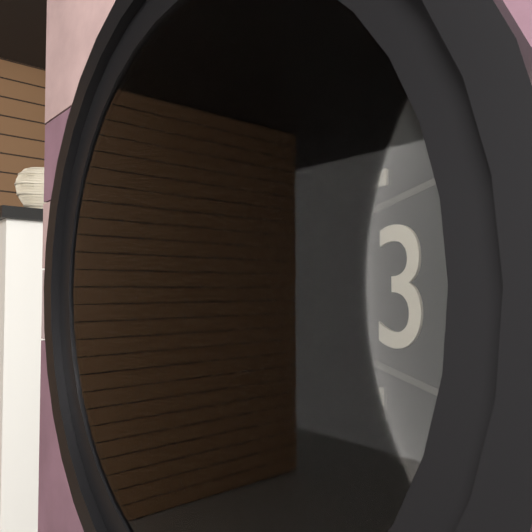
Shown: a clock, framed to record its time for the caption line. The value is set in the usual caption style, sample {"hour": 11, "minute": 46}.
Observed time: {"hour": 5, "minute": 12}
